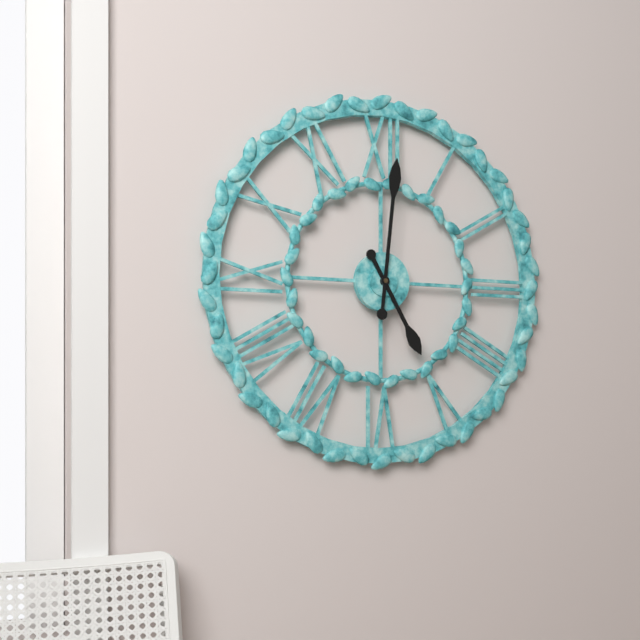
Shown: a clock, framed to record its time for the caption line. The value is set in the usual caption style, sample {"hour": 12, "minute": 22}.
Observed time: {"hour": 5, "minute": 1}
